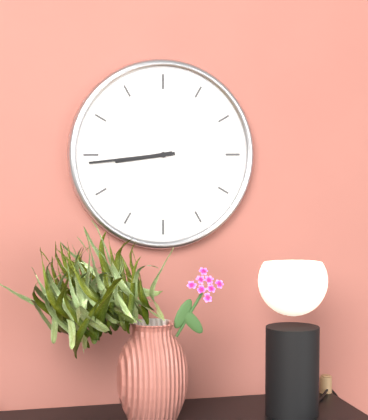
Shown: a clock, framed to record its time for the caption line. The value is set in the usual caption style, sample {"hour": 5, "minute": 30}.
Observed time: {"hour": 8, "minute": 44}
